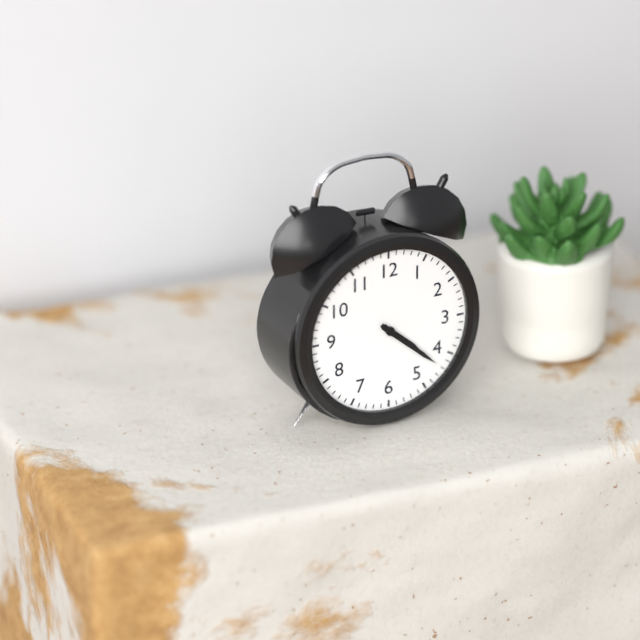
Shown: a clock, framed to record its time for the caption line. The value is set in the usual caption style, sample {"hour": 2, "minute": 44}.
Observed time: {"hour": 4, "minute": 22}
